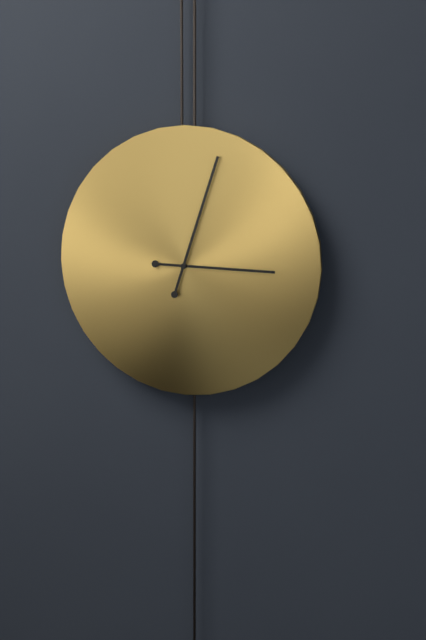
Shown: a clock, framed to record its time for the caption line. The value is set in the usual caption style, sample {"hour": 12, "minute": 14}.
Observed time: {"hour": 3, "minute": 3}
